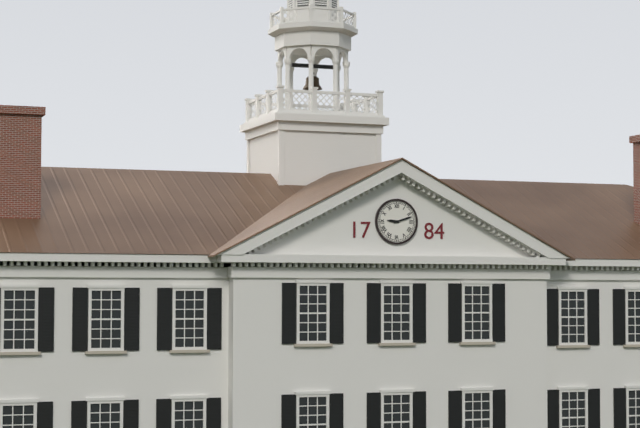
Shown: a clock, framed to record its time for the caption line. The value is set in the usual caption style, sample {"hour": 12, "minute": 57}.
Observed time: {"hour": 9, "minute": 12}
